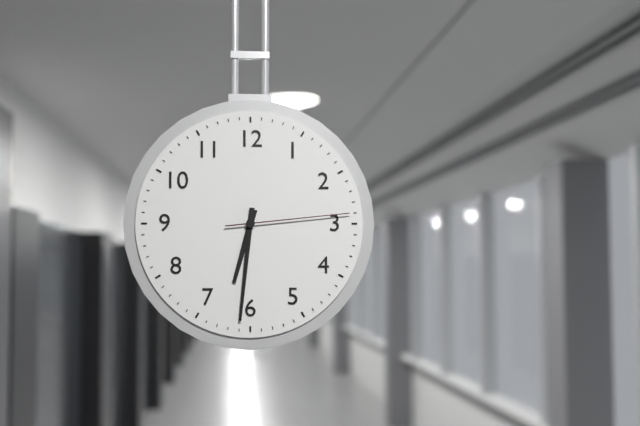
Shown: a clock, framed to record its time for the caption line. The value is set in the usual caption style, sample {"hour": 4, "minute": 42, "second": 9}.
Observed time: {"hour": 6, "minute": 31, "second": 14}
